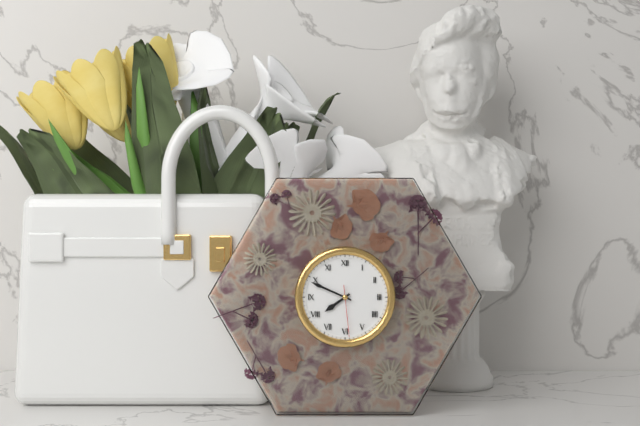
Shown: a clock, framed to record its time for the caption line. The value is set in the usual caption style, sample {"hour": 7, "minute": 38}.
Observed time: {"hour": 7, "minute": 49}
